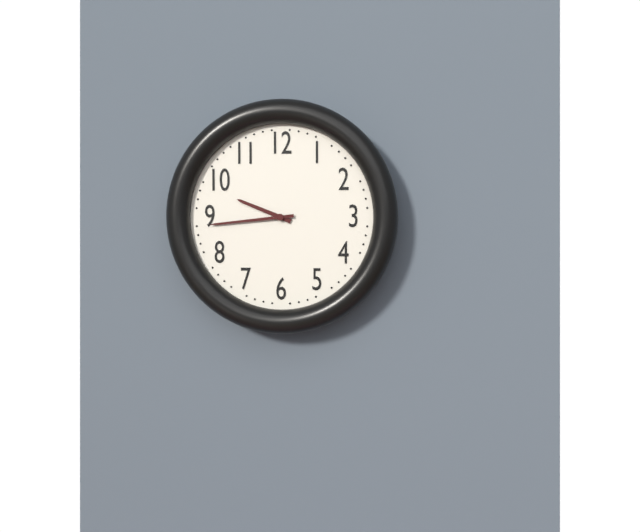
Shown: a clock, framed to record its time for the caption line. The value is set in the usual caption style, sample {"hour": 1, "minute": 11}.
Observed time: {"hour": 9, "minute": 44}
